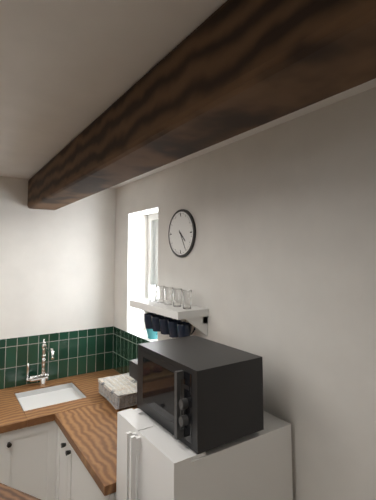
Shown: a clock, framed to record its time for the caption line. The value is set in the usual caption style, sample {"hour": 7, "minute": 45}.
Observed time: {"hour": 4, "minute": 25}
